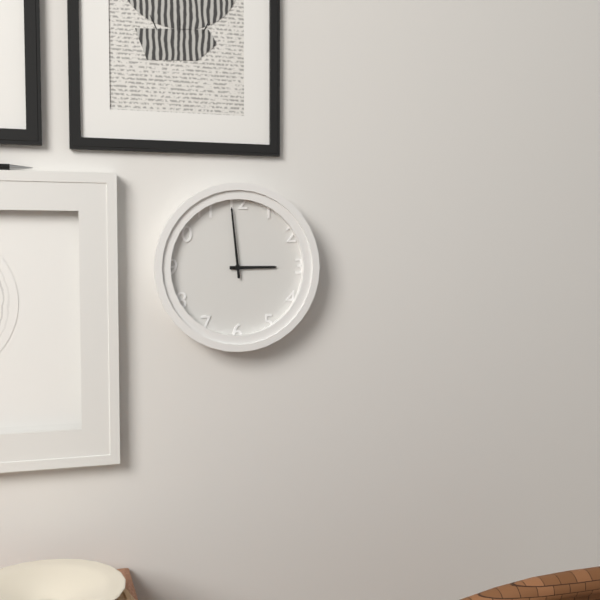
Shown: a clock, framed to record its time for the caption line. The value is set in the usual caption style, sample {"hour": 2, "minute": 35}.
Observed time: {"hour": 2, "minute": 59}
